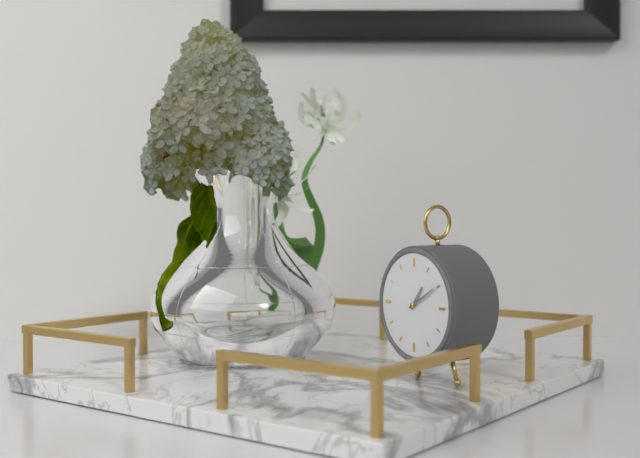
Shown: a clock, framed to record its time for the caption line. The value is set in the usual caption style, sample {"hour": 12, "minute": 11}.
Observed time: {"hour": 1, "minute": 10}
